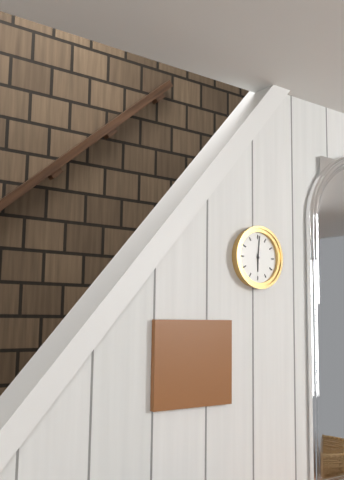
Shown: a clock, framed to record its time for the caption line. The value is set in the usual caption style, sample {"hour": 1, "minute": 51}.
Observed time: {"hour": 6, "minute": 1}
